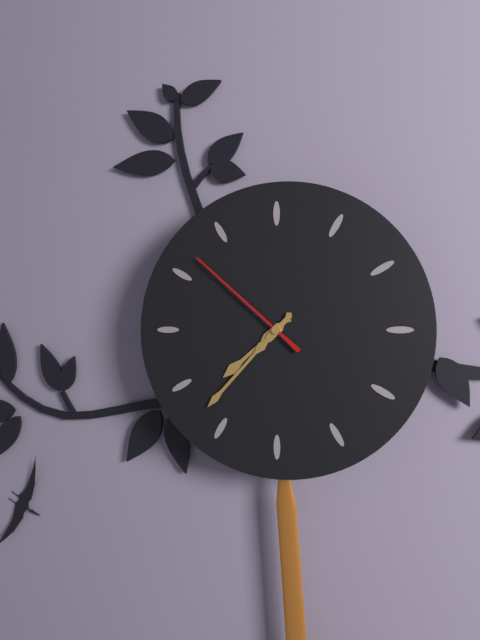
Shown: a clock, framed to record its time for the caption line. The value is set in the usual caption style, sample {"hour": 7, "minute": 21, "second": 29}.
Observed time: {"hour": 7, "minute": 37, "second": 52}
